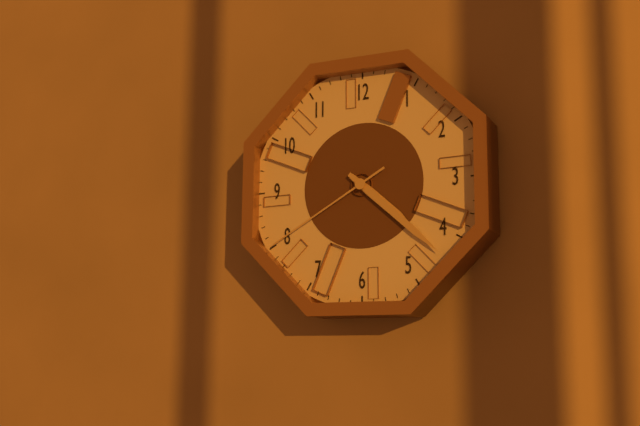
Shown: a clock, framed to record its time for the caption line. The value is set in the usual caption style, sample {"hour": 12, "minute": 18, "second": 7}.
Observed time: {"hour": 4, "minute": 22, "second": 40}
